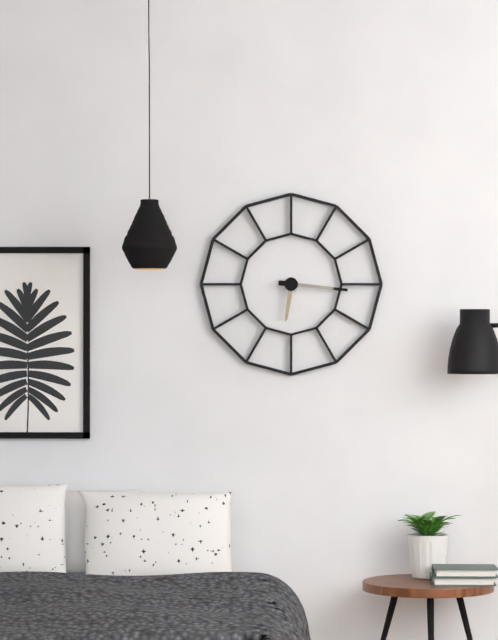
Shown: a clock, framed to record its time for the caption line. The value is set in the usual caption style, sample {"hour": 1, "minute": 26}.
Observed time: {"hour": 6, "minute": 16}
